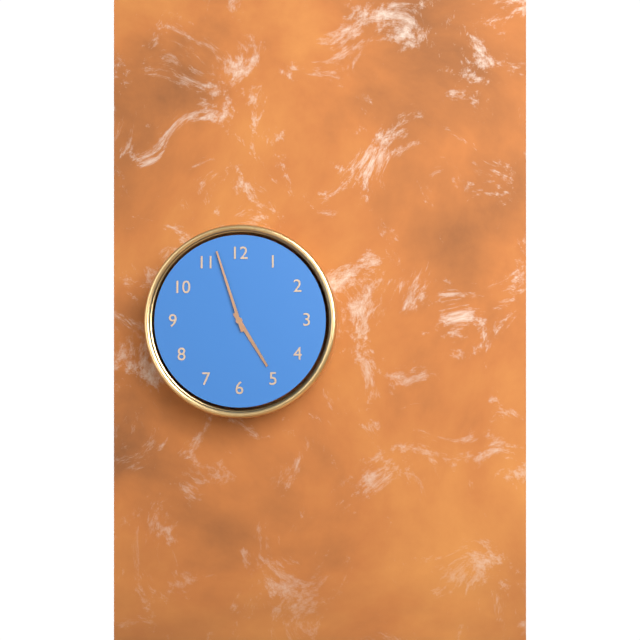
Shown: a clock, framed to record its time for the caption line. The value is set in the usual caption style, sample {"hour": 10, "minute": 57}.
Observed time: {"hour": 4, "minute": 57}
